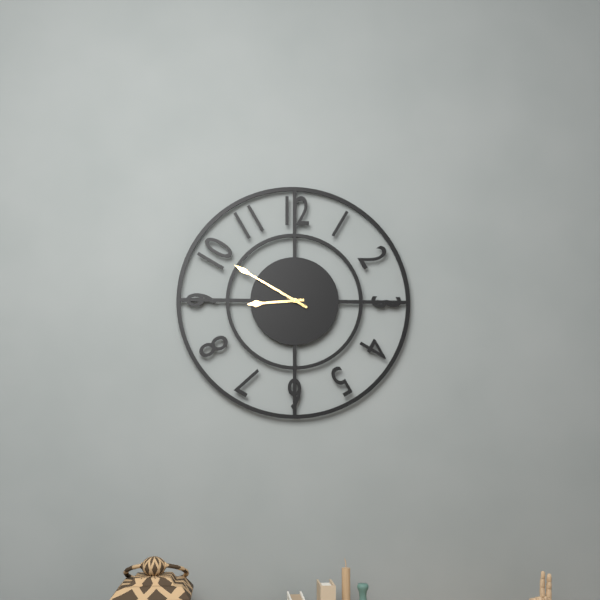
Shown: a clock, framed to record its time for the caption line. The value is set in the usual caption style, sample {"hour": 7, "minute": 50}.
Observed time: {"hour": 8, "minute": 50}
